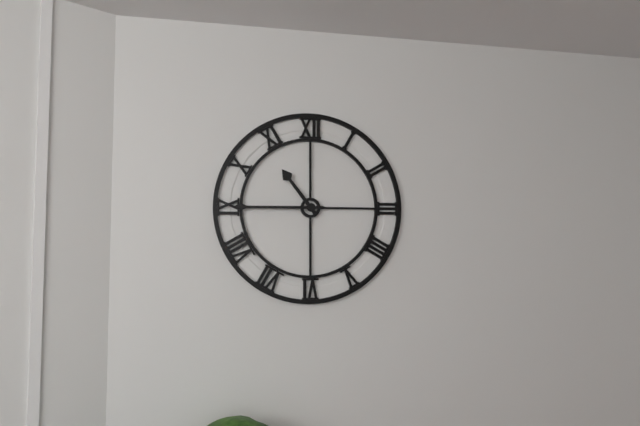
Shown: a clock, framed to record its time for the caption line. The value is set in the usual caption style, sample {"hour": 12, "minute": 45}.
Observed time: {"hour": 10, "minute": 45}
